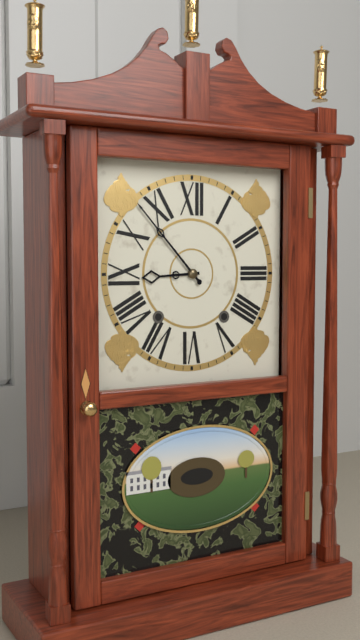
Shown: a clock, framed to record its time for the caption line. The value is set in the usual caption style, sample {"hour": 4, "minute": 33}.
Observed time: {"hour": 8, "minute": 53}
